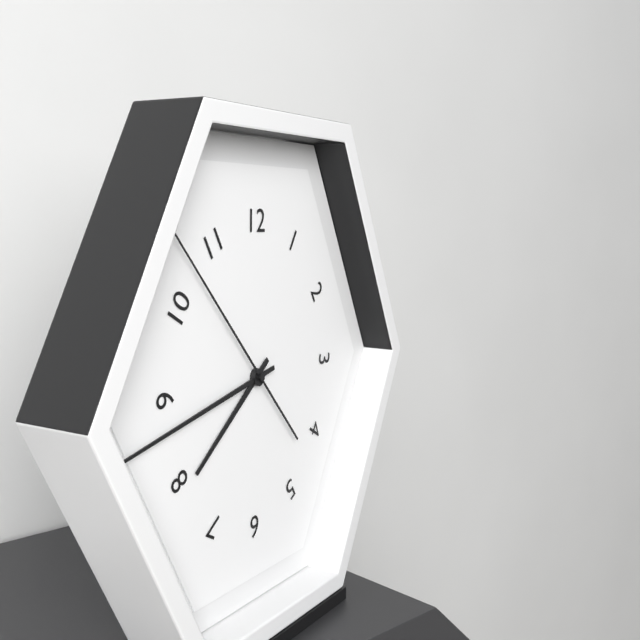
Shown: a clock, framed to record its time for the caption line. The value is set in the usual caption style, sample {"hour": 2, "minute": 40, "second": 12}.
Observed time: {"hour": 7, "minute": 43, "second": 53}
